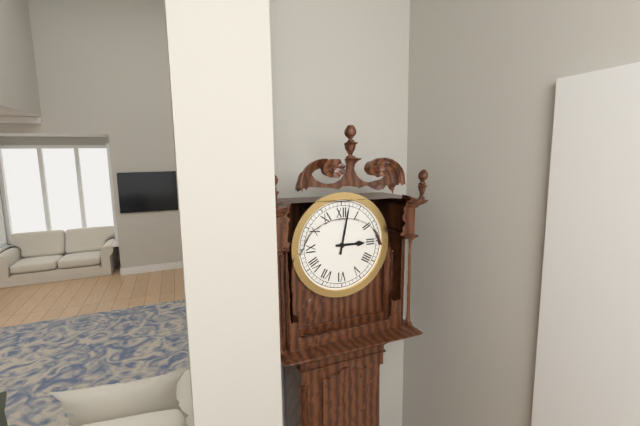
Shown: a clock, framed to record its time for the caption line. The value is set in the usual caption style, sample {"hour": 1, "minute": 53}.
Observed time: {"hour": 3, "minute": 2}
